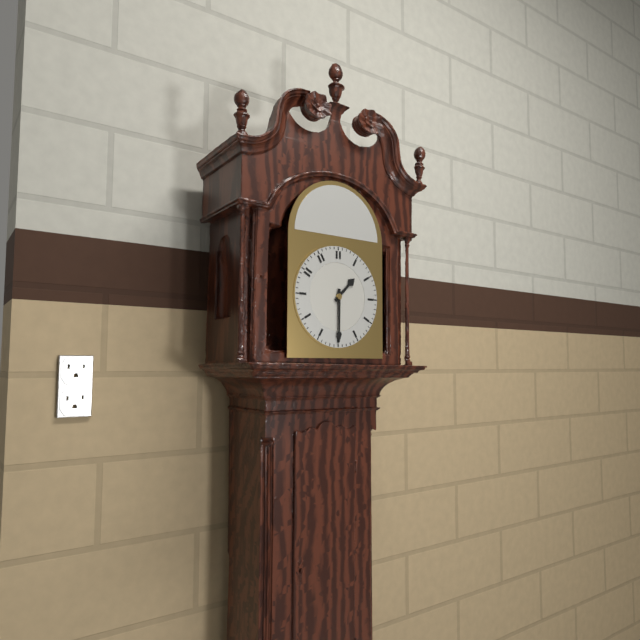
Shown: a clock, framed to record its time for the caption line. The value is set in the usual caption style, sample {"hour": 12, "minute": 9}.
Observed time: {"hour": 1, "minute": 30}
